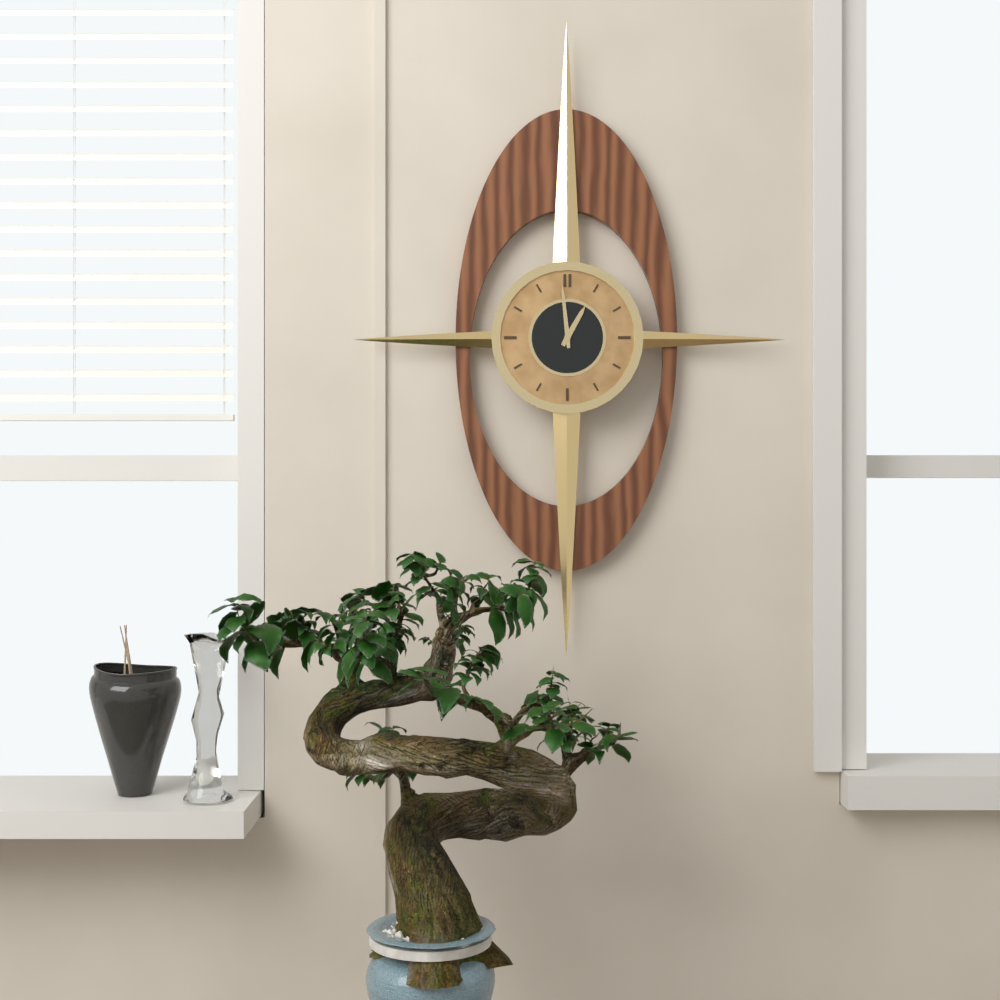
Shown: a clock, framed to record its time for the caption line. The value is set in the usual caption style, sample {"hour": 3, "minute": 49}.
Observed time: {"hour": 12, "minute": 59}
